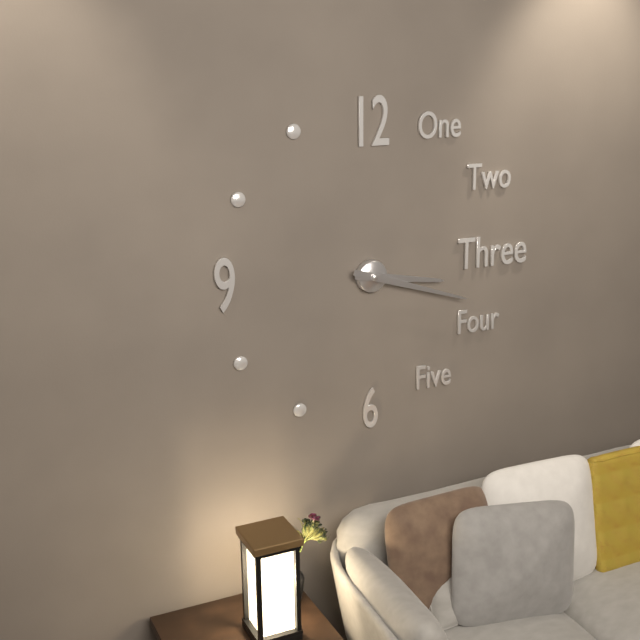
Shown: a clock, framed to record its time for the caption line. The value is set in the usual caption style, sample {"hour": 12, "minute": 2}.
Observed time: {"hour": 3, "minute": 18}
